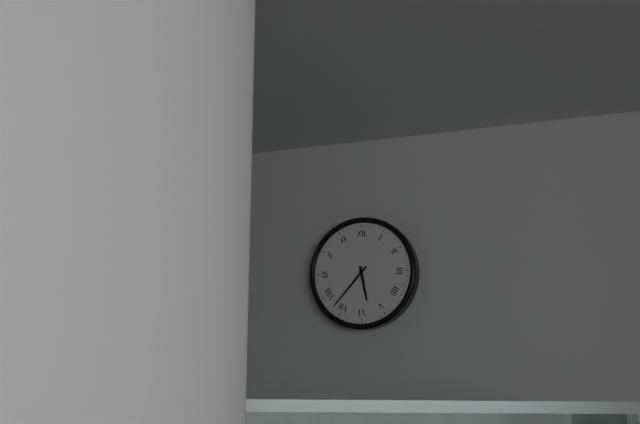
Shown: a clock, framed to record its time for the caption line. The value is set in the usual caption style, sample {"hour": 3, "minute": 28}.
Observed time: {"hour": 5, "minute": 37}
